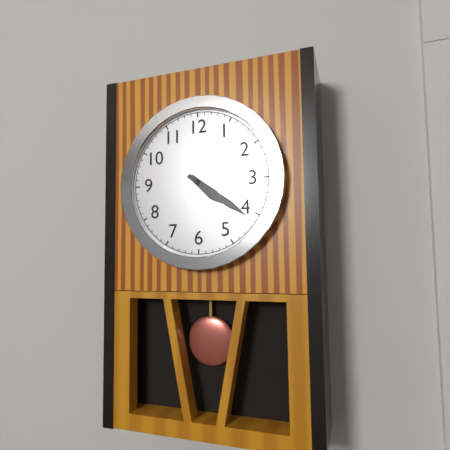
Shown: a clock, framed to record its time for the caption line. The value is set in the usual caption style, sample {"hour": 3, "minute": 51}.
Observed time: {"hour": 4, "minute": 21}
